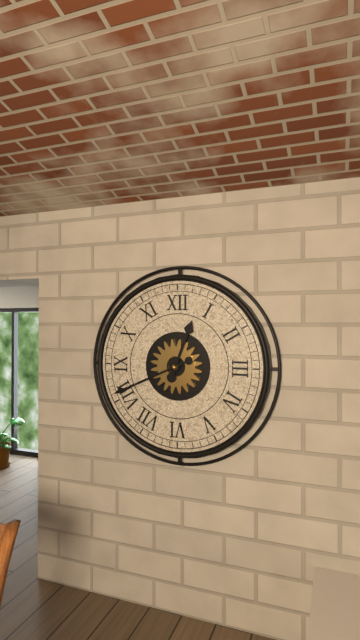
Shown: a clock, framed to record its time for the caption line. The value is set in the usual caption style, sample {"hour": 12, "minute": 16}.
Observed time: {"hour": 12, "minute": 41}
